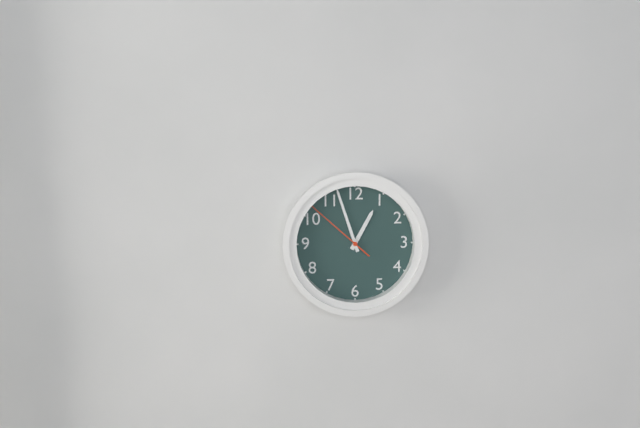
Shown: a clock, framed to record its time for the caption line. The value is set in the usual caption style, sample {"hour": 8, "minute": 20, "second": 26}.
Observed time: {"hour": 12, "minute": 57, "second": 52}
